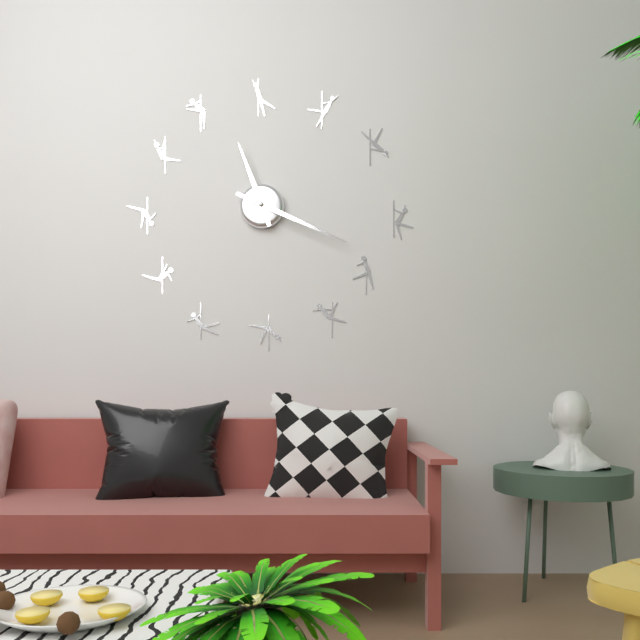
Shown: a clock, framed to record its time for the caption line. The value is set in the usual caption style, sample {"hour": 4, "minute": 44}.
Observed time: {"hour": 11, "minute": 19}
